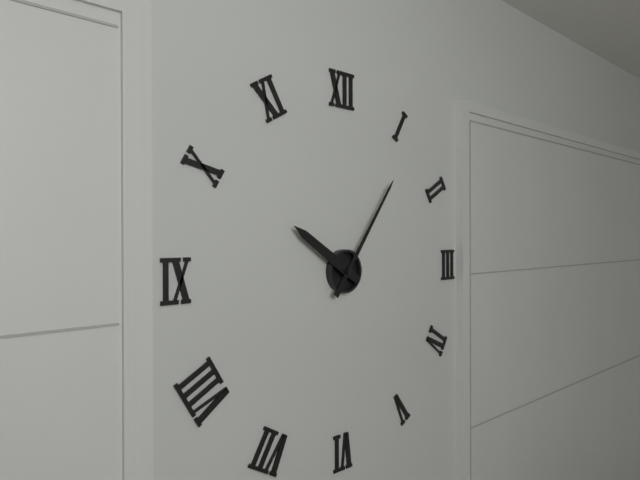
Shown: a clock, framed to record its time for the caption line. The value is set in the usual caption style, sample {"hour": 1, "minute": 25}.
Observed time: {"hour": 10, "minute": 6}
